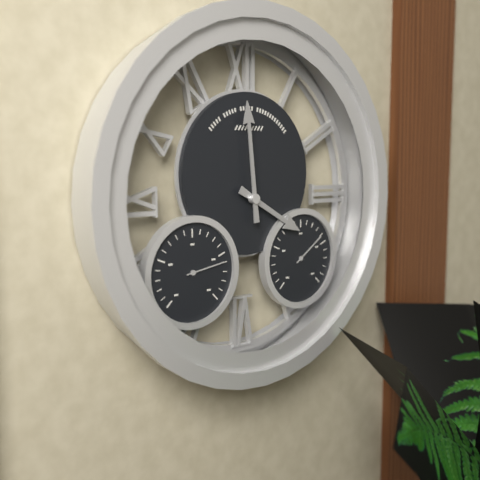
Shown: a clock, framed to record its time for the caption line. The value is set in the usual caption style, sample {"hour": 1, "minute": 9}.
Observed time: {"hour": 3, "minute": 59}
